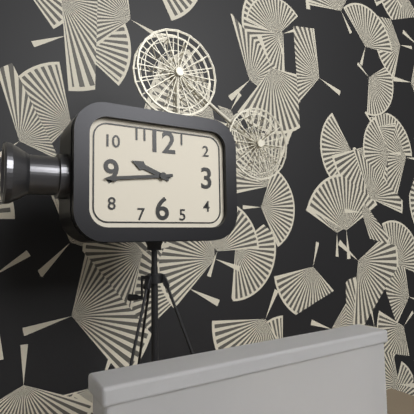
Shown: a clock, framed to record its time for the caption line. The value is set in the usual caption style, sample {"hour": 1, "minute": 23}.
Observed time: {"hour": 9, "minute": 44}
